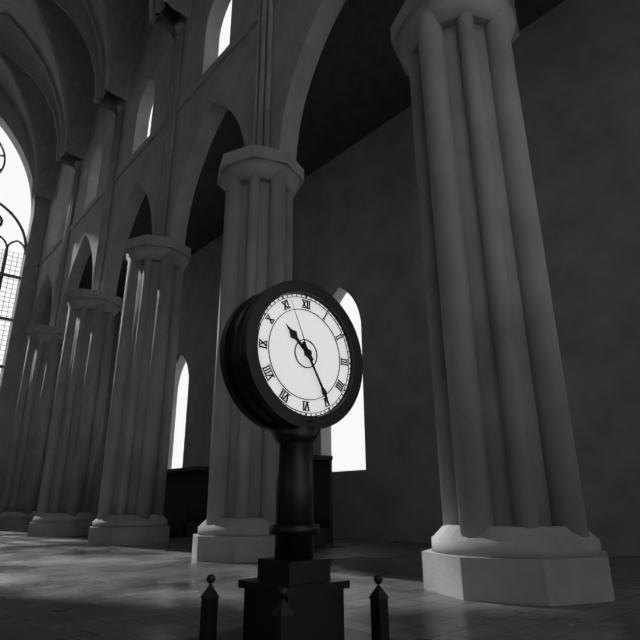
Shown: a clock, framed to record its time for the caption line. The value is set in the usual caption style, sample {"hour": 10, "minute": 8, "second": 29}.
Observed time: {"hour": 10, "minute": 25, "second": 56}
